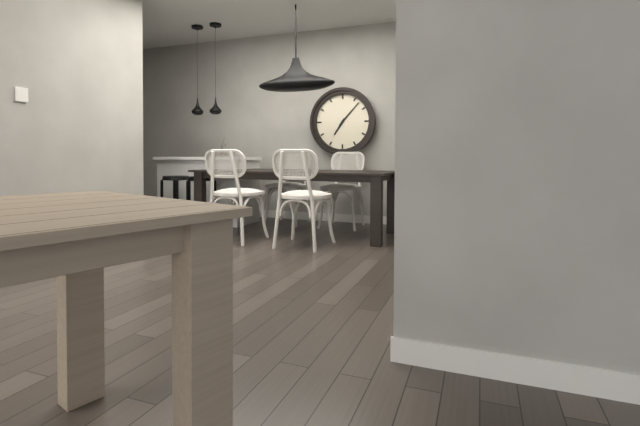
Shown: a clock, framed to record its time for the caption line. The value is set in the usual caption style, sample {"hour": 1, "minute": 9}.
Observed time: {"hour": 7, "minute": 7}
